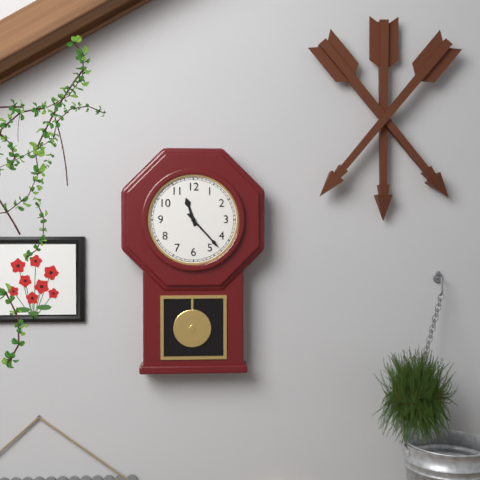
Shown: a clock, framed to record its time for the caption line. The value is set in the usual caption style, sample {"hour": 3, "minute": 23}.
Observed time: {"hour": 11, "minute": 23}
